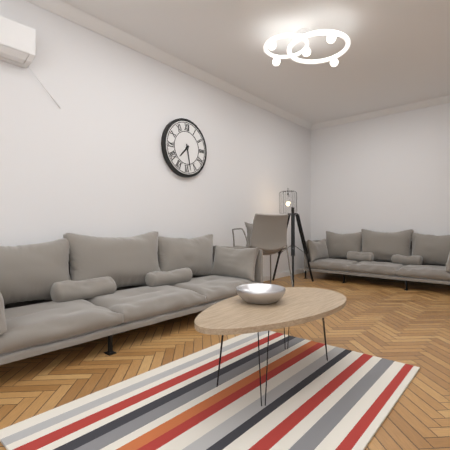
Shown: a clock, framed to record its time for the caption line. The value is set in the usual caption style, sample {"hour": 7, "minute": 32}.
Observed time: {"hour": 7, "minute": 28}
